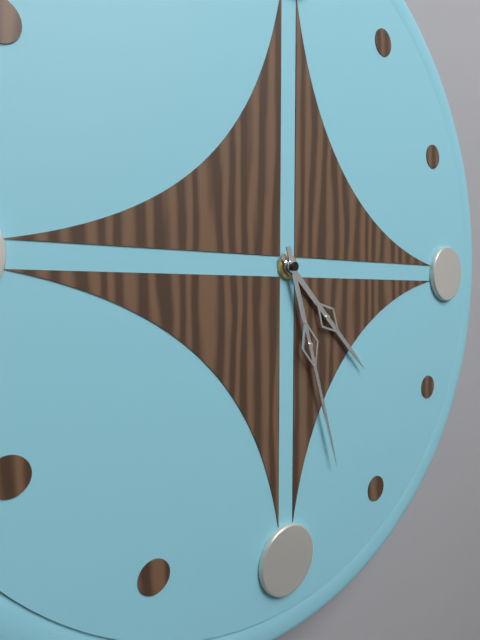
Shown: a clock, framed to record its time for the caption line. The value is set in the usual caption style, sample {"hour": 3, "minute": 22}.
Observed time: {"hour": 4, "minute": 27}
